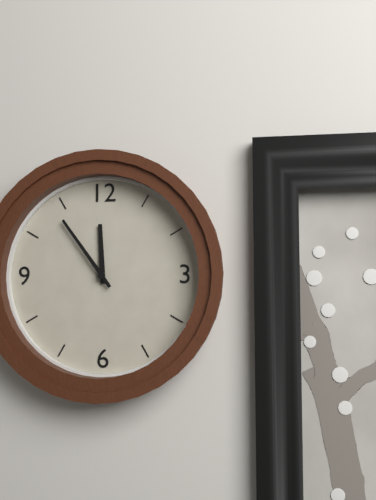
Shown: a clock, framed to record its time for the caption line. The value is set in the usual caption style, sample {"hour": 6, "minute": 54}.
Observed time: {"hour": 11, "minute": 54}
